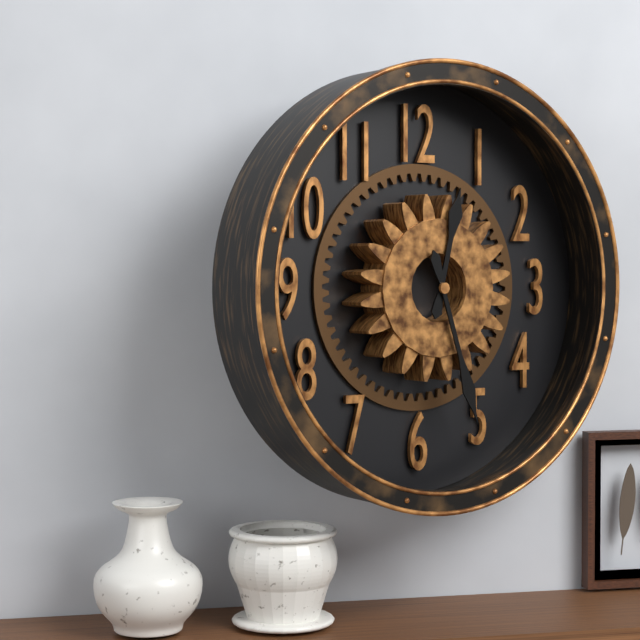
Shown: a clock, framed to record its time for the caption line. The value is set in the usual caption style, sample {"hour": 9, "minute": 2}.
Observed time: {"hour": 12, "minute": 27}
